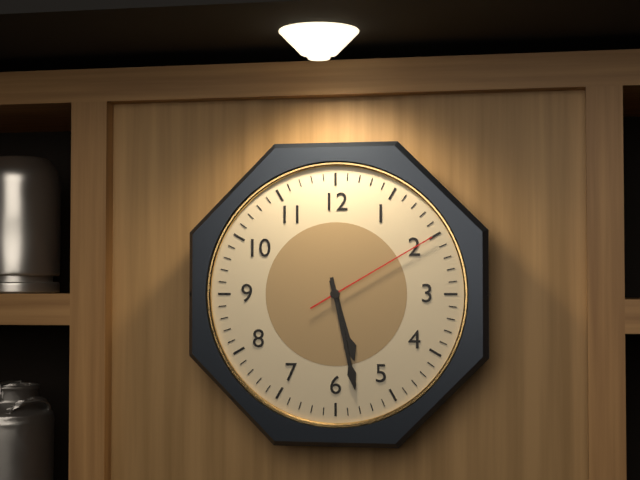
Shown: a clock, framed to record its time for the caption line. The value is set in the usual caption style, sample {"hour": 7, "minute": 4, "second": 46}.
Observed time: {"hour": 5, "minute": 28, "second": 10}
